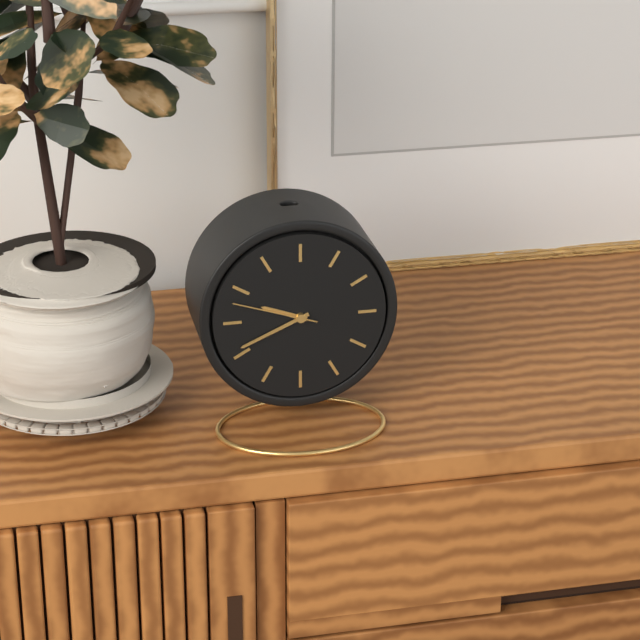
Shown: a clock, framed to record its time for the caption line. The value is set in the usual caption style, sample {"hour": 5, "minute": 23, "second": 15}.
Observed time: {"hour": 9, "minute": 41, "second": 48}
